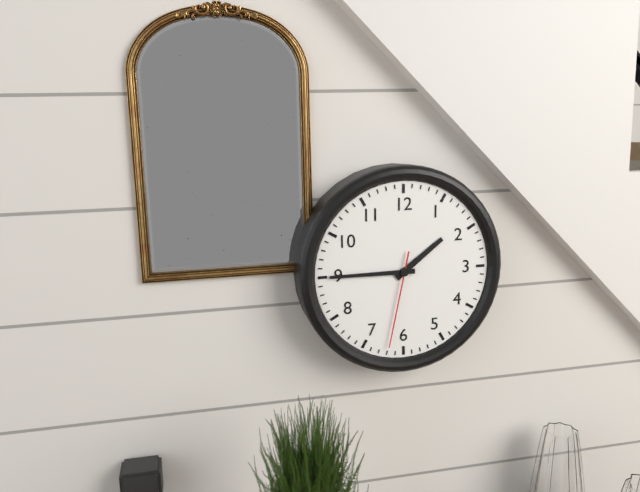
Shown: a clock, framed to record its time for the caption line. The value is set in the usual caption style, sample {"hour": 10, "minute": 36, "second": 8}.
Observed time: {"hour": 1, "minute": 45, "second": 32}
